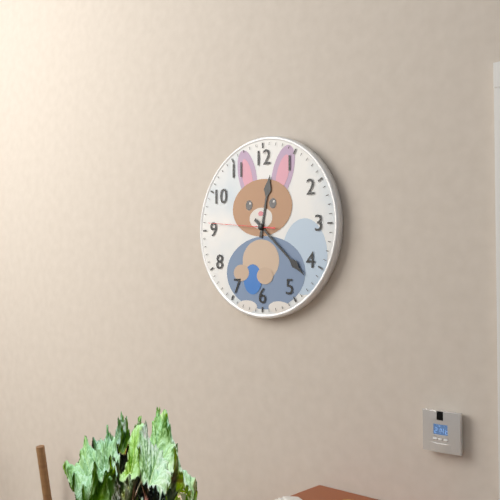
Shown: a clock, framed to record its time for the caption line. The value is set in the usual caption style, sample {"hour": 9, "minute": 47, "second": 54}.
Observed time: {"hour": 12, "minute": 22, "second": 46}
